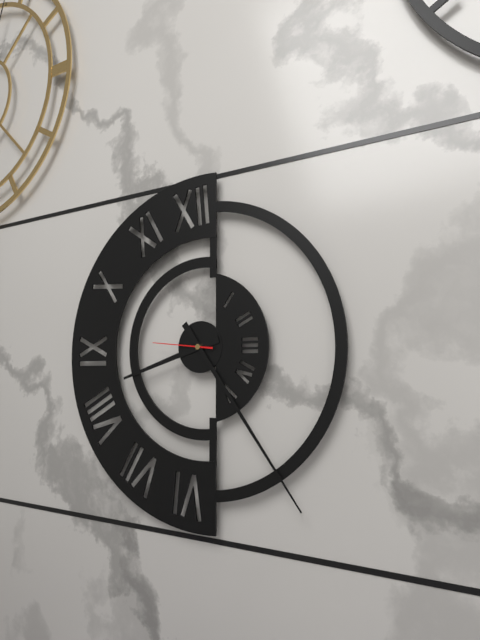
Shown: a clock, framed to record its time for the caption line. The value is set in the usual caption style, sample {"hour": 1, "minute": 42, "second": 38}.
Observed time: {"hour": 8, "minute": 24, "second": 46}
